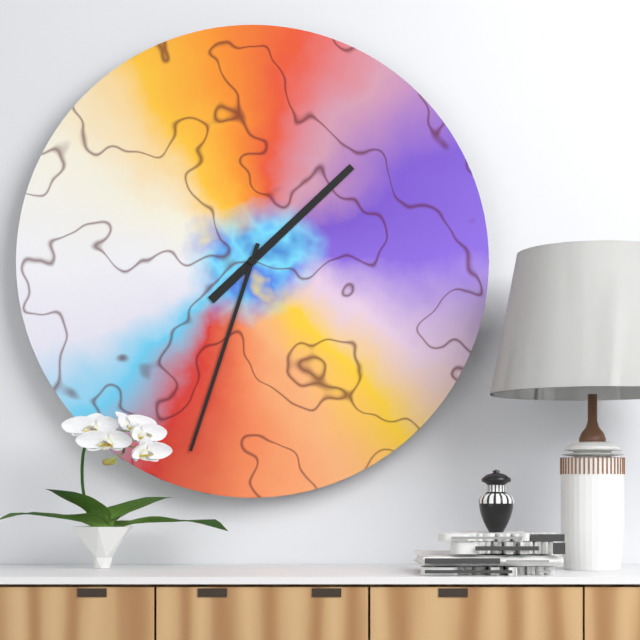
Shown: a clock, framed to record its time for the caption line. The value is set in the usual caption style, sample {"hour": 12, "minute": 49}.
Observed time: {"hour": 1, "minute": 33}
